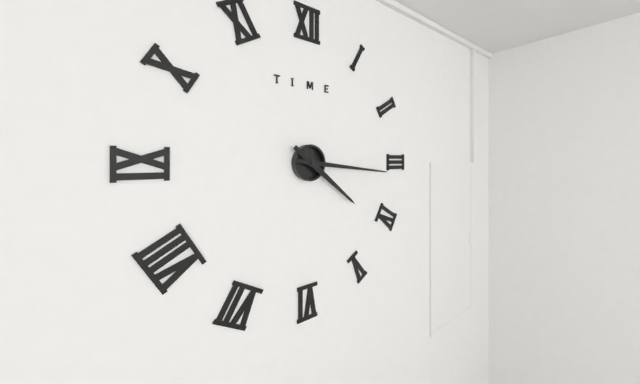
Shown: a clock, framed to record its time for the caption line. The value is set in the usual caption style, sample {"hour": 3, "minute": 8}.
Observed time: {"hour": 4, "minute": 16}
